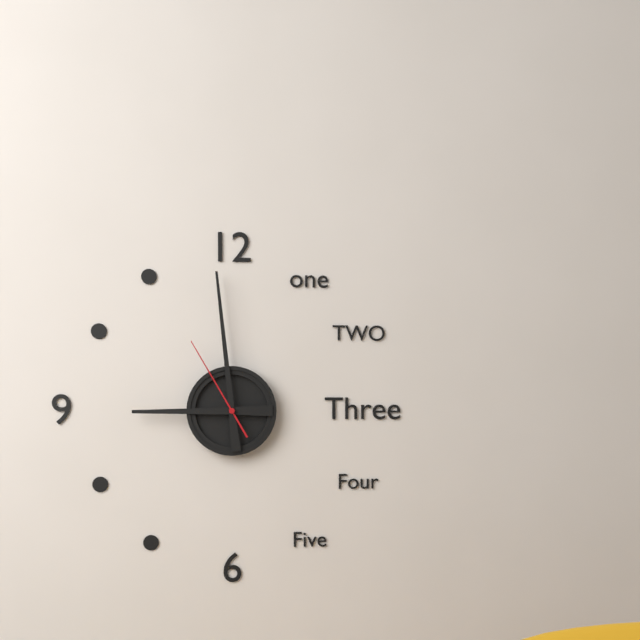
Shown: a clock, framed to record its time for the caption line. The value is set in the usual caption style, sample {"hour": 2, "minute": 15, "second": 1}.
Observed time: {"hour": 8, "minute": 59, "second": 55}
